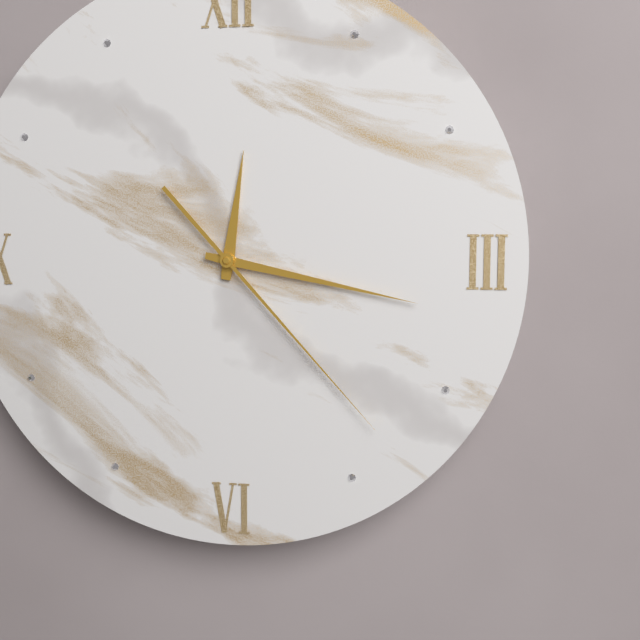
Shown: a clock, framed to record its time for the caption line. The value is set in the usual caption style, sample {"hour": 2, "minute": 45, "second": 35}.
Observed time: {"hour": 12, "minute": 17, "second": 23}
